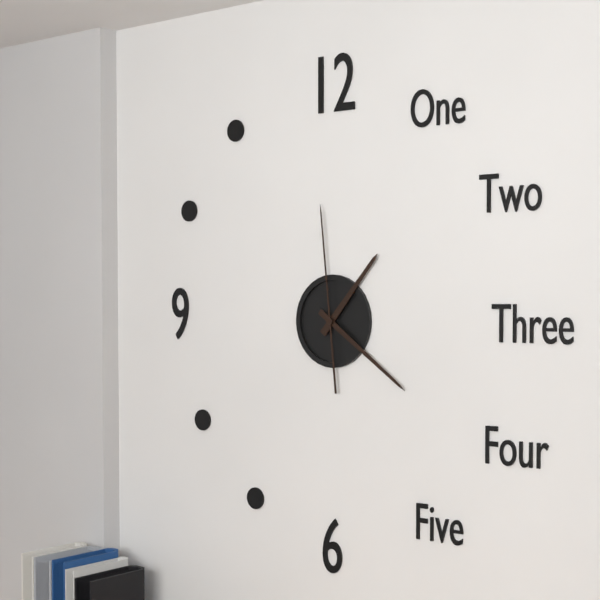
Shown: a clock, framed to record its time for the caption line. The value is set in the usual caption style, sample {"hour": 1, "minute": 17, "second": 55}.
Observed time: {"hour": 1, "minute": 21, "second": 59}
